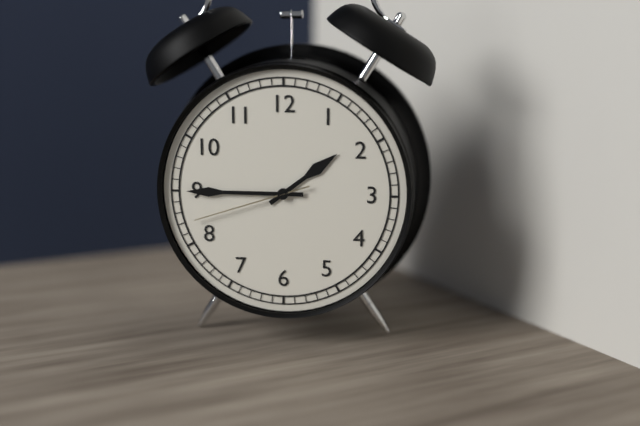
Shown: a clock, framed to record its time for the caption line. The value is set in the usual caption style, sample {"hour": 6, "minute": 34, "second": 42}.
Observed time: {"hour": 1, "minute": 45, "second": 42}
